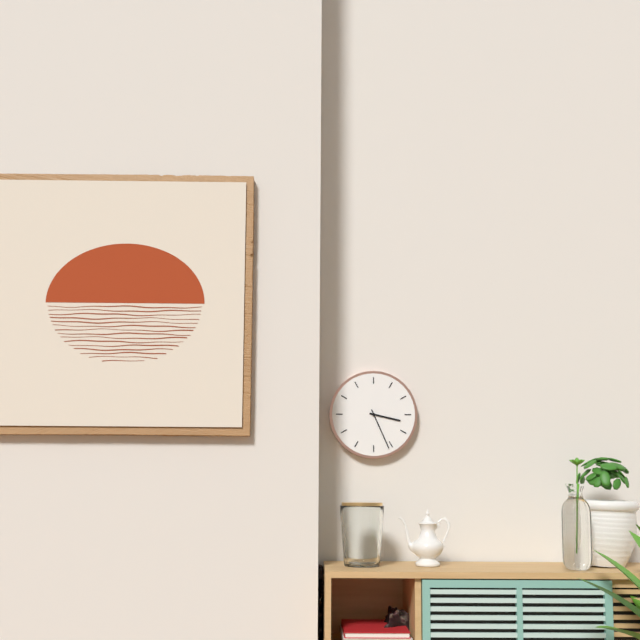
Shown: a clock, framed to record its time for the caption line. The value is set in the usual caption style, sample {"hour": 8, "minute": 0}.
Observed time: {"hour": 3, "minute": 26}
